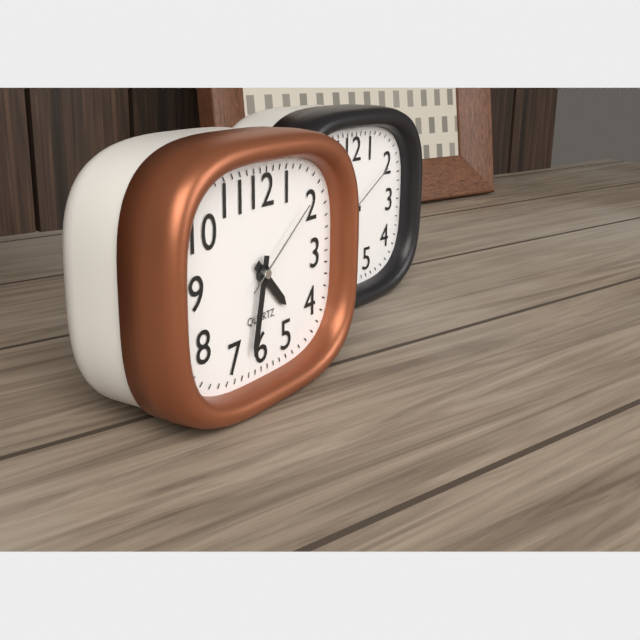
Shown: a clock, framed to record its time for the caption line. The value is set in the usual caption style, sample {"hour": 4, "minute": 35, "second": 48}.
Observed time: {"hour": 4, "minute": 32, "second": 9}
